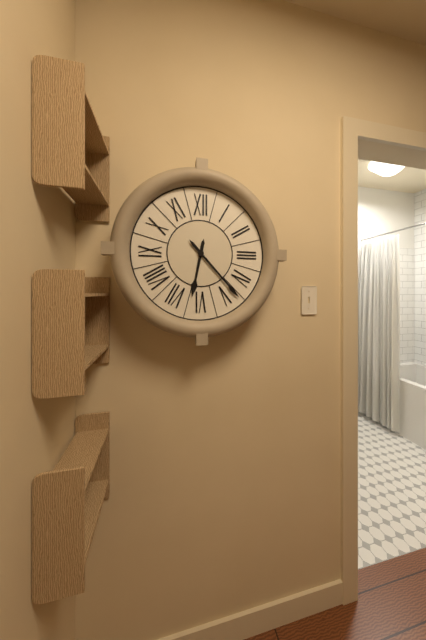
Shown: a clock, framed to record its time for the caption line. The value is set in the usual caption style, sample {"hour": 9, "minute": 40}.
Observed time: {"hour": 6, "minute": 23}
